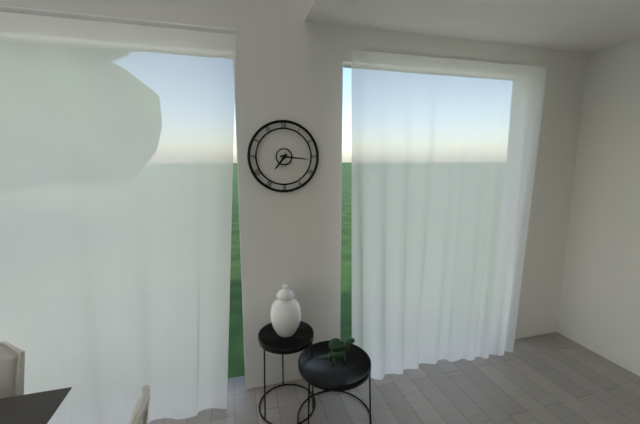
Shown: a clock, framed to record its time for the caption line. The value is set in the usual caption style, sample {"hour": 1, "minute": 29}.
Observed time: {"hour": 7, "minute": 16}
